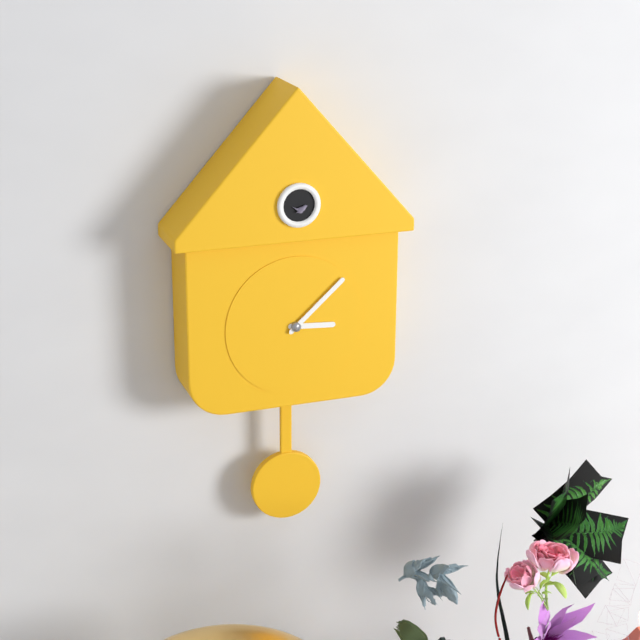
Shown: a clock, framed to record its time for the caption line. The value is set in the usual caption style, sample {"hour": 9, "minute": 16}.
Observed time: {"hour": 3, "minute": 8}
